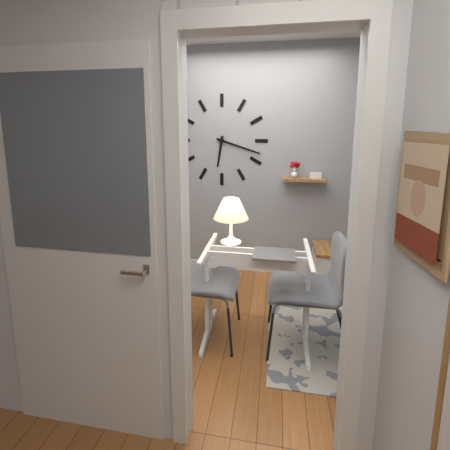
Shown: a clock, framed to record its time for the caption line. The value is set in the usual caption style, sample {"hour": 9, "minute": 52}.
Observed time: {"hour": 6, "minute": 18}
